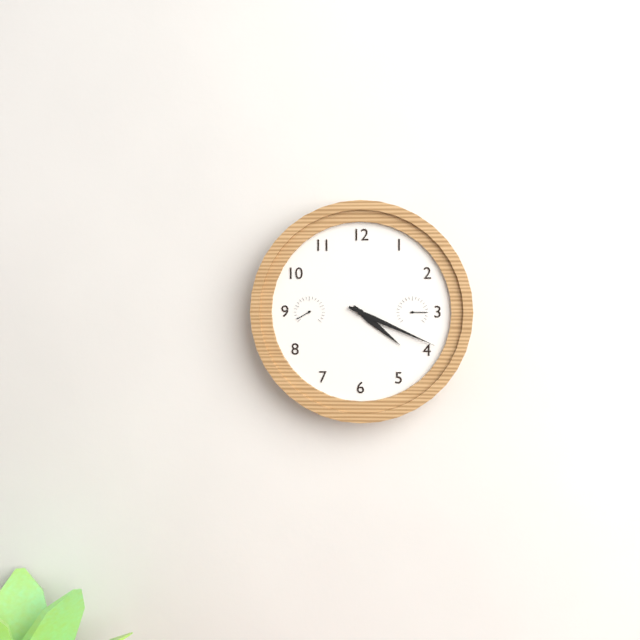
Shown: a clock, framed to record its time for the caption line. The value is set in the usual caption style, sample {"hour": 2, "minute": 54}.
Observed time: {"hour": 4, "minute": 19}
